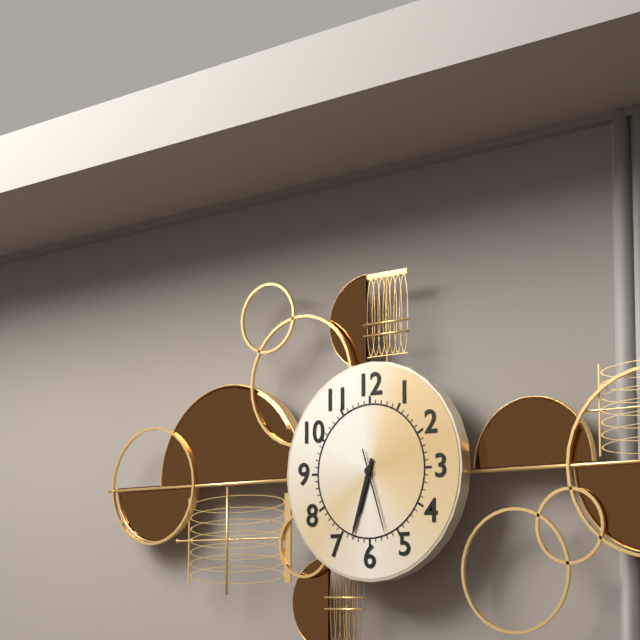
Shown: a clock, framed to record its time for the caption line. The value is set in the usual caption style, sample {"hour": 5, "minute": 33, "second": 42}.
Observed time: {"hour": 6, "minute": 33, "second": 27}
